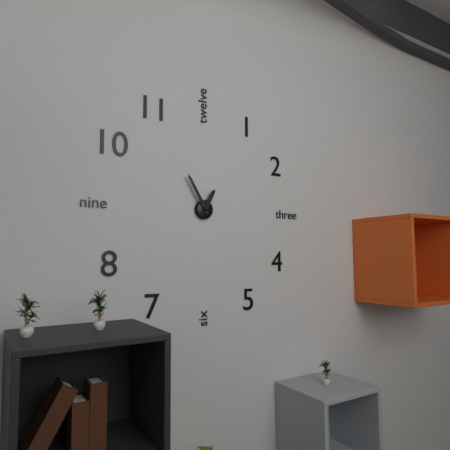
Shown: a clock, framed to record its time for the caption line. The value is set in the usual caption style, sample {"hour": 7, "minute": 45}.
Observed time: {"hour": 12, "minute": 55}
